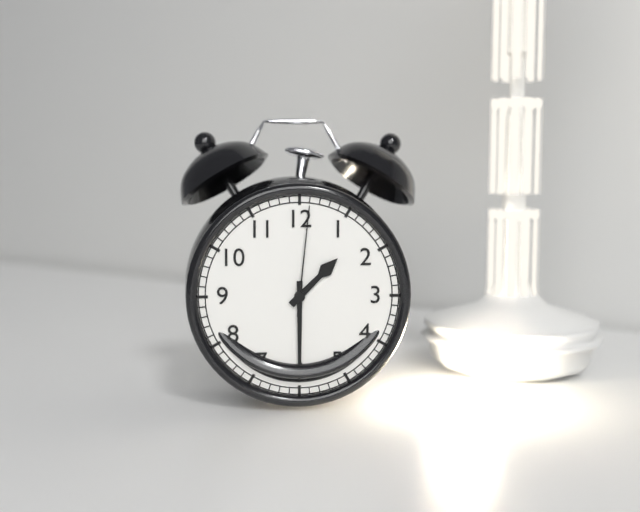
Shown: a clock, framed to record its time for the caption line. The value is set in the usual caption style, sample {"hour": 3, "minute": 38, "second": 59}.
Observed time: {"hour": 1, "minute": 30, "second": 1}
